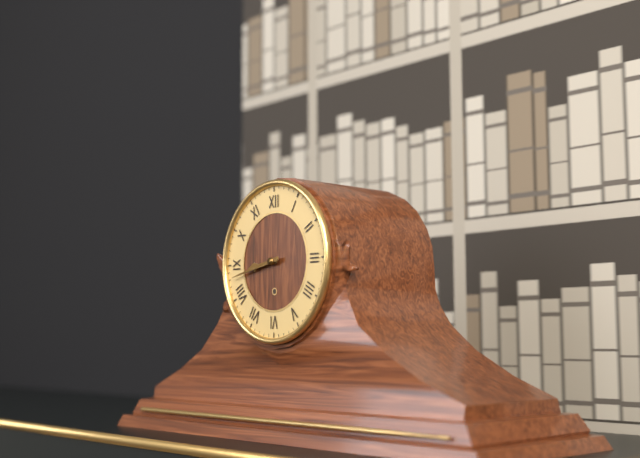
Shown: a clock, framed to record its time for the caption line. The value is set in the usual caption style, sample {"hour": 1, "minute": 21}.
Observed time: {"hour": 8, "minute": 43}
